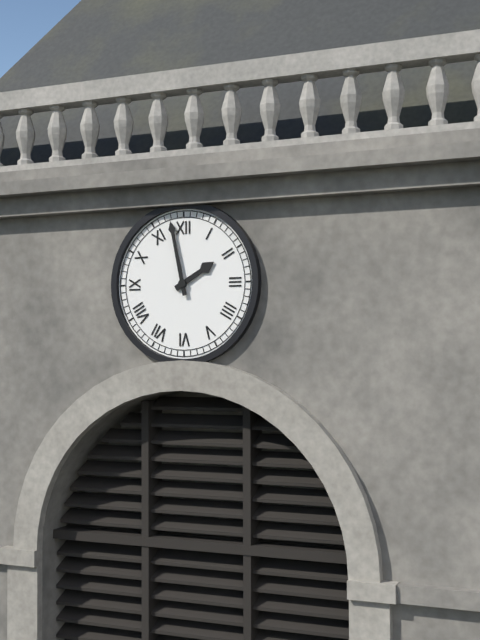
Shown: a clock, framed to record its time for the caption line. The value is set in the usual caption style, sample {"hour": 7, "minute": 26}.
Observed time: {"hour": 1, "minute": 58}
